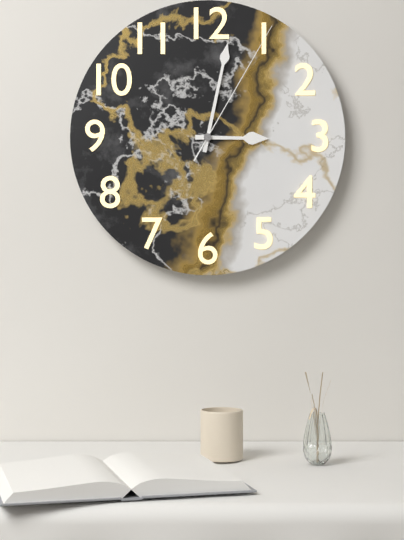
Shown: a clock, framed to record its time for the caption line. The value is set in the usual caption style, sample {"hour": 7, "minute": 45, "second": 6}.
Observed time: {"hour": 3, "minute": 2, "second": 5}
